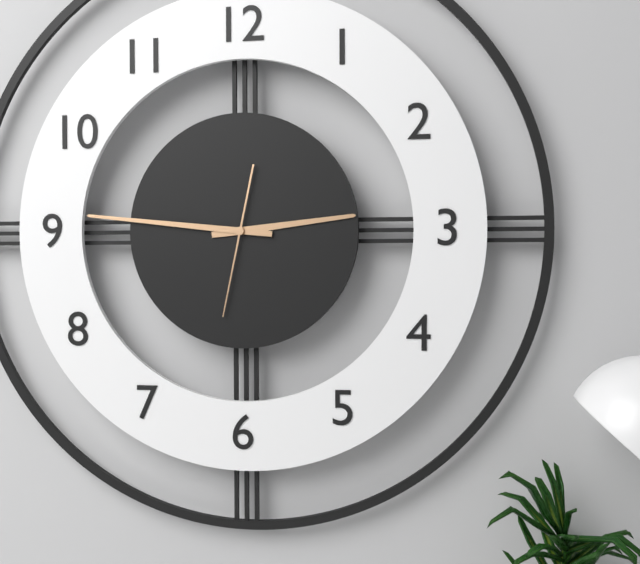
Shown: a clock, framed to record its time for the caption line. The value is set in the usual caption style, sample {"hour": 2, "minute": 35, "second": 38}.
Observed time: {"hour": 2, "minute": 46, "second": 32}
